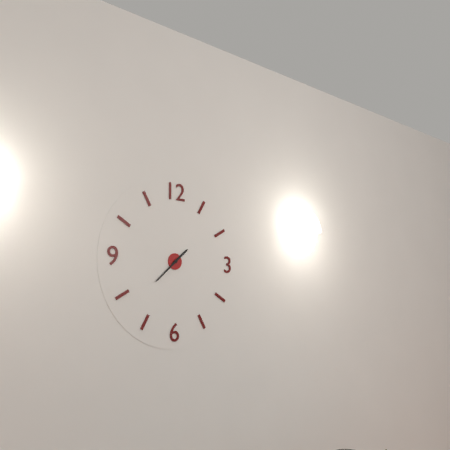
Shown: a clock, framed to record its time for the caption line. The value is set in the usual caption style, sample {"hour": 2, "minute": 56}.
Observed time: {"hour": 1, "minute": 38}
